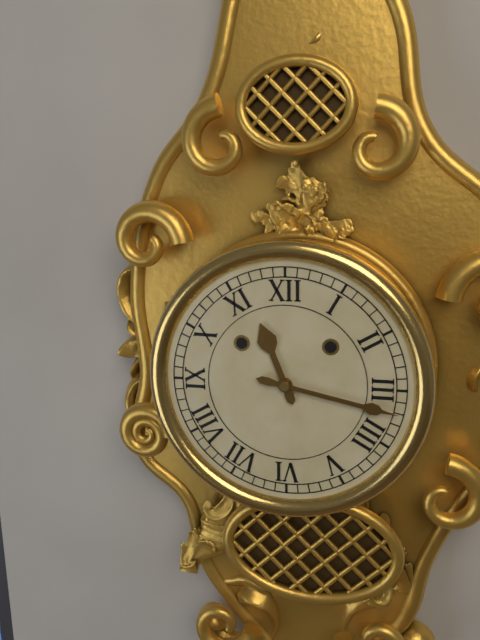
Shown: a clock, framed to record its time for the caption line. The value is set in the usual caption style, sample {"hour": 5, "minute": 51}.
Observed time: {"hour": 11, "minute": 17}
